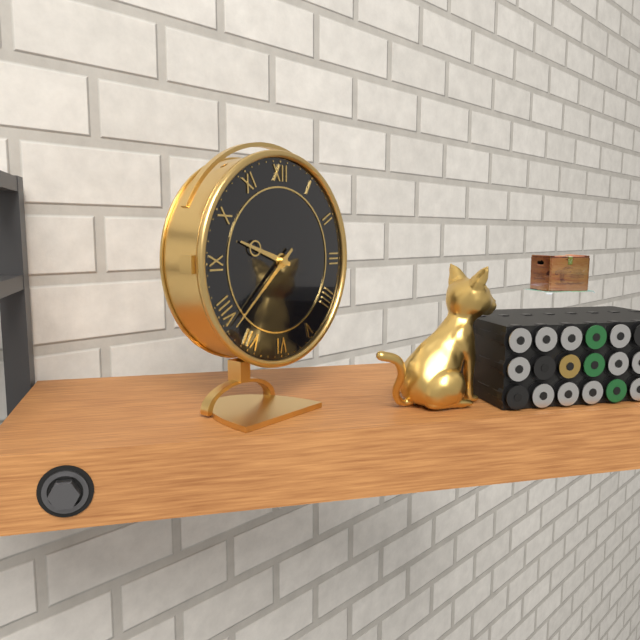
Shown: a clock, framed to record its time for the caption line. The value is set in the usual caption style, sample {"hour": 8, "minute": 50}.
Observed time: {"hour": 9, "minute": 38}
